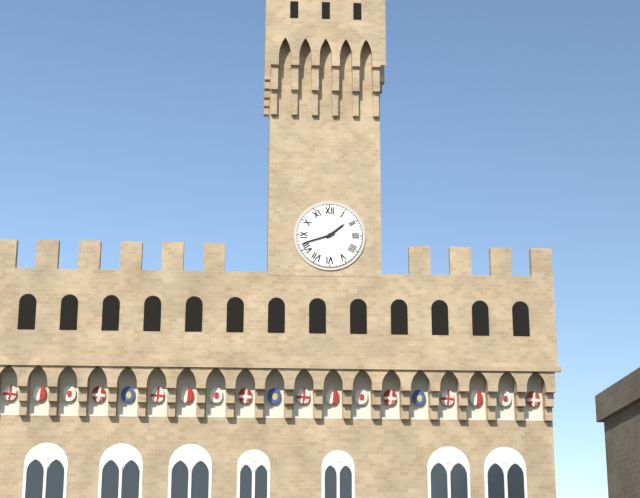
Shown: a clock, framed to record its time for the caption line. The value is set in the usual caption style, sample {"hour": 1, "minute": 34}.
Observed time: {"hour": 1, "minute": 42}
